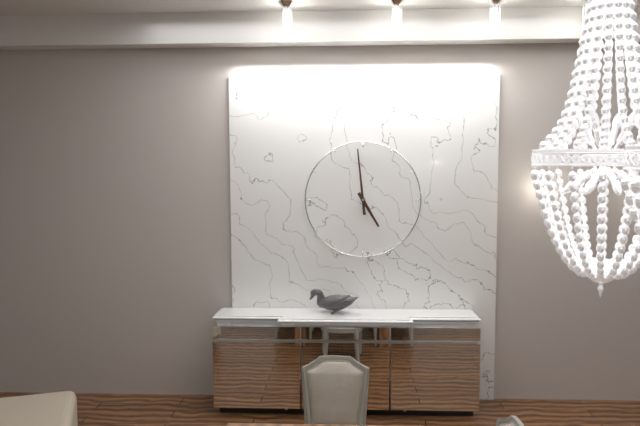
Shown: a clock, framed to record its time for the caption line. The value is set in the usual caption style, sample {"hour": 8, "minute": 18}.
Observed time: {"hour": 4, "minute": 59}
